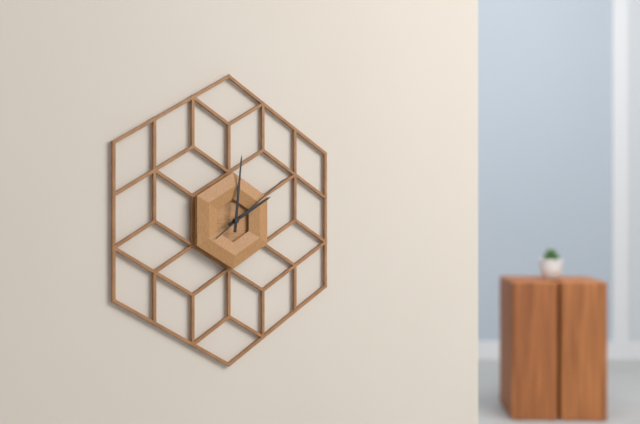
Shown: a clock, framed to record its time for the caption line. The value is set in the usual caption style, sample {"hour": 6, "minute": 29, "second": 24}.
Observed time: {"hour": 2, "minute": 1, "second": 9}
